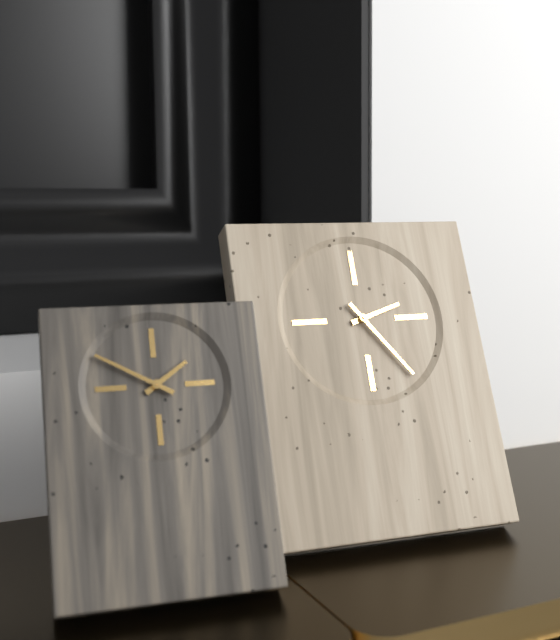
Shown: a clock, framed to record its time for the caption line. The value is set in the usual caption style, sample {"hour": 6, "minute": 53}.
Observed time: {"hour": 2, "minute": 24}
